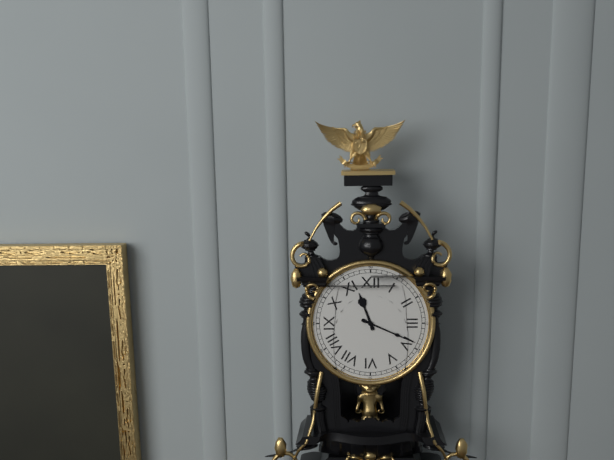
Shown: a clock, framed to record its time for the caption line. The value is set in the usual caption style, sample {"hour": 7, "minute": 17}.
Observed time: {"hour": 11, "minute": 19}
